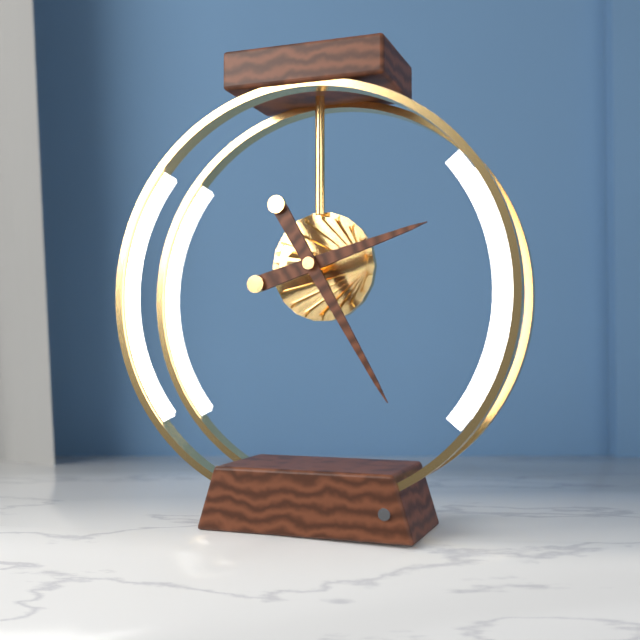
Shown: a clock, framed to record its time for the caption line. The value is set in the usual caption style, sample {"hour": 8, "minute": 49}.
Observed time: {"hour": 2, "minute": 25}
